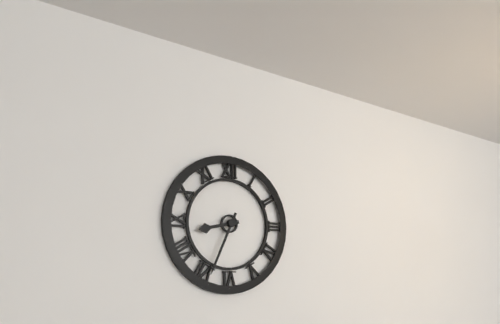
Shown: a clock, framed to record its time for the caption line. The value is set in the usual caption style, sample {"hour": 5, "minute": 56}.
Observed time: {"hour": 8, "minute": 34}
